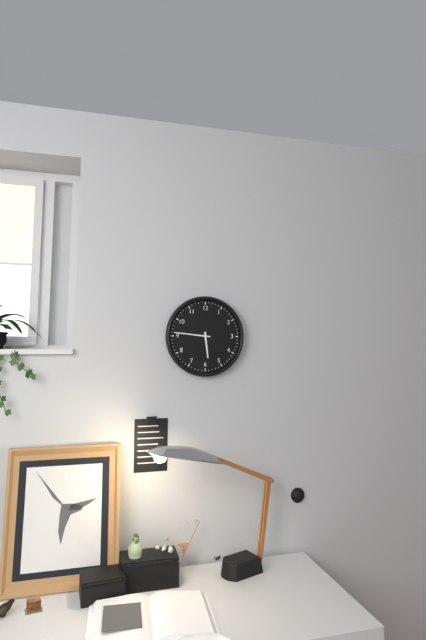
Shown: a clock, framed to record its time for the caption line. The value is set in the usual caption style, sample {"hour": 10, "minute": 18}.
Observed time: {"hour": 5, "minute": 46}
